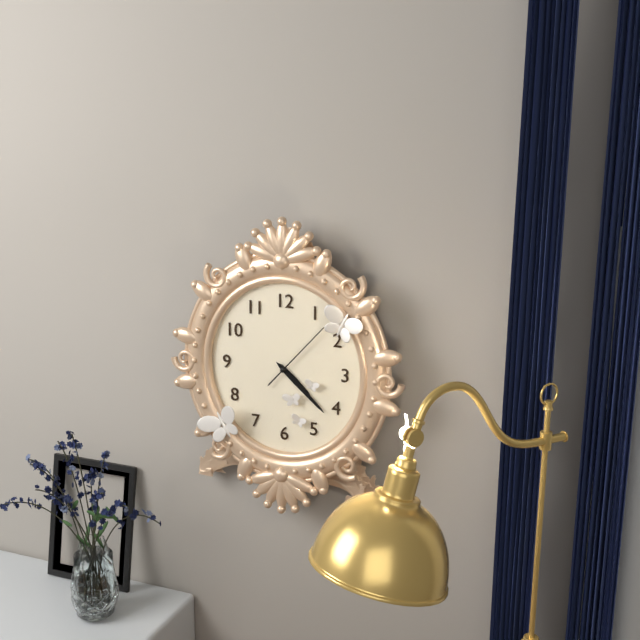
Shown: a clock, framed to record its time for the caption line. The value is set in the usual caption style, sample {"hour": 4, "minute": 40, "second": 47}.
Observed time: {"hour": 4, "minute": 22, "second": 7}
